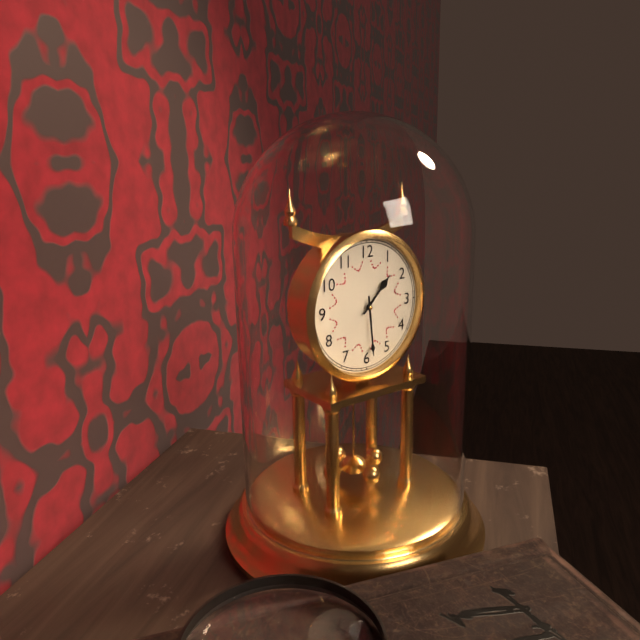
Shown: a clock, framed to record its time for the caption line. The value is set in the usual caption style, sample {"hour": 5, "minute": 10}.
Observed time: {"hour": 1, "minute": 29}
